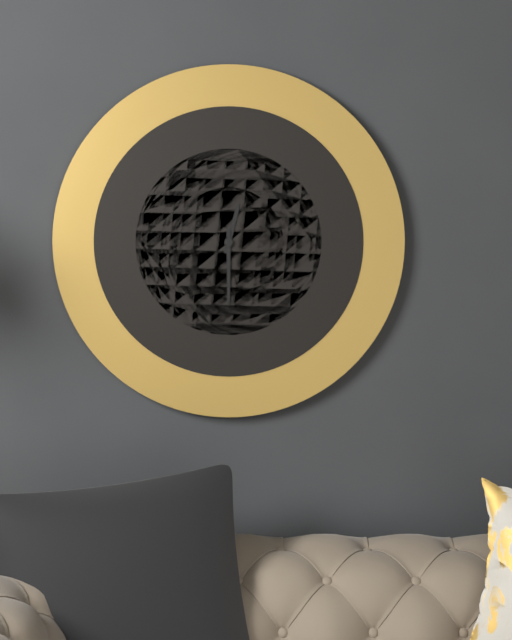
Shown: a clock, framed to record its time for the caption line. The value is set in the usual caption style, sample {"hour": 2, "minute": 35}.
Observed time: {"hour": 12, "minute": 30}
